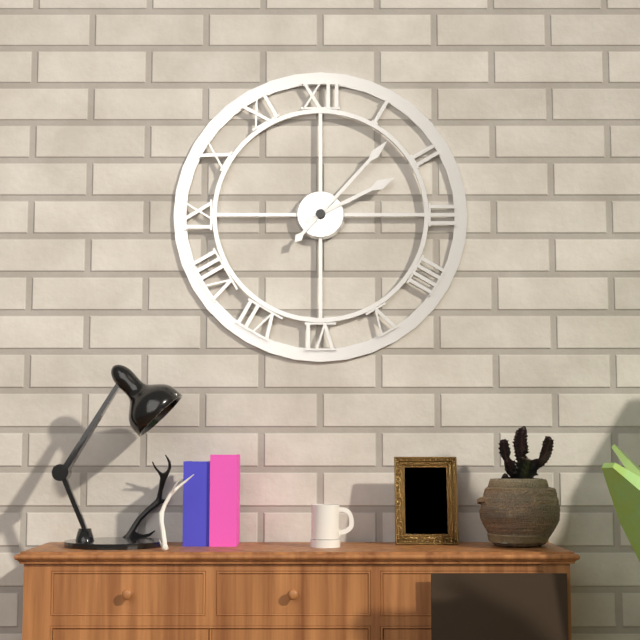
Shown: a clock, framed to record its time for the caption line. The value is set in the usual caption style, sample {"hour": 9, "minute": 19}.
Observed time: {"hour": 2, "minute": 7}
